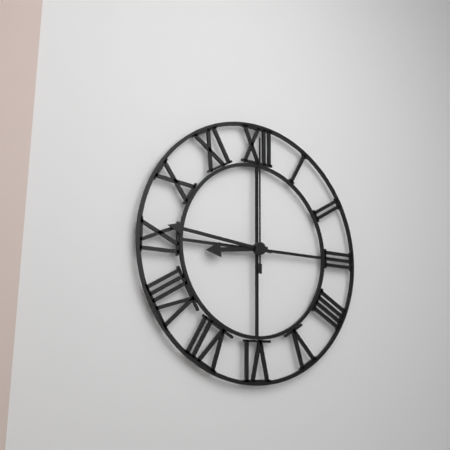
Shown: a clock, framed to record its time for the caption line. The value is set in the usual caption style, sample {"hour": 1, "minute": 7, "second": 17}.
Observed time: {"hour": 8, "minute": 46, "second": 0}
